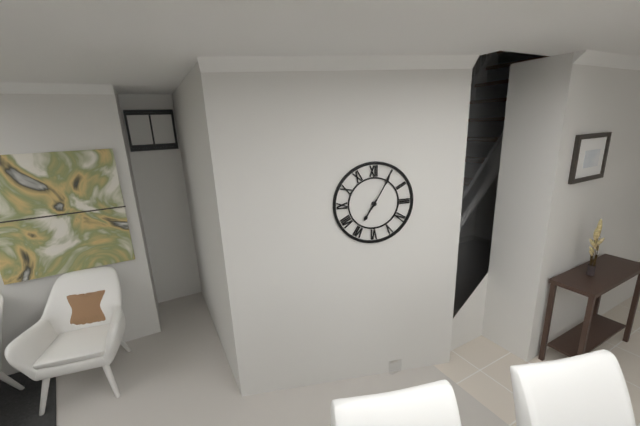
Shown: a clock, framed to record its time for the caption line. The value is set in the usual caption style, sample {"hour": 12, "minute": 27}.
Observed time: {"hour": 7, "minute": 5}
